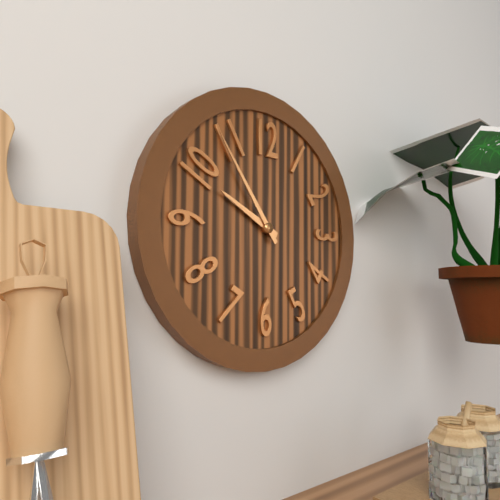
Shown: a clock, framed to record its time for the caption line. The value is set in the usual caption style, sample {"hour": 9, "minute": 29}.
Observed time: {"hour": 9, "minute": 54}
